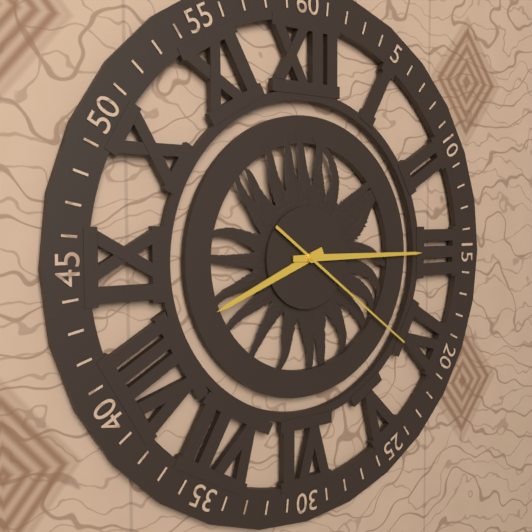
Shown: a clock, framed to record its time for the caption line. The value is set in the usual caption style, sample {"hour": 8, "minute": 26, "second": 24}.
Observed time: {"hour": 8, "minute": 15, "second": 21}
